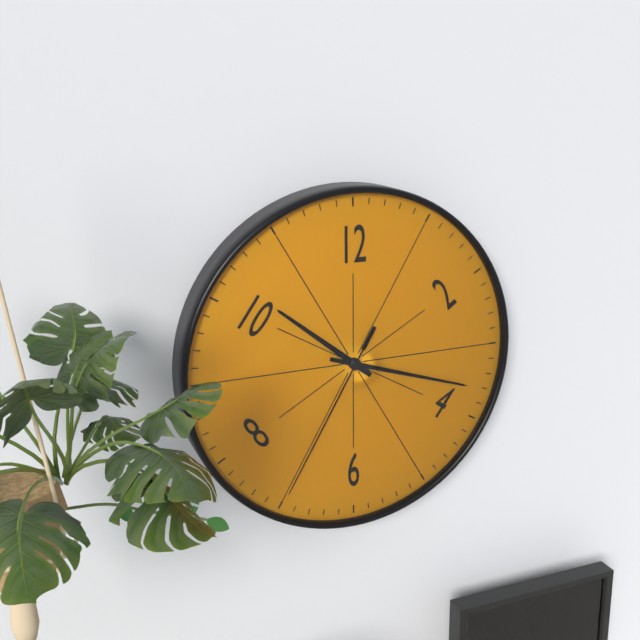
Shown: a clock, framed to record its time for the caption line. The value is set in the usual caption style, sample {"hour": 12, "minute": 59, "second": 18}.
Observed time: {"hour": 10, "minute": 18, "second": 35}
